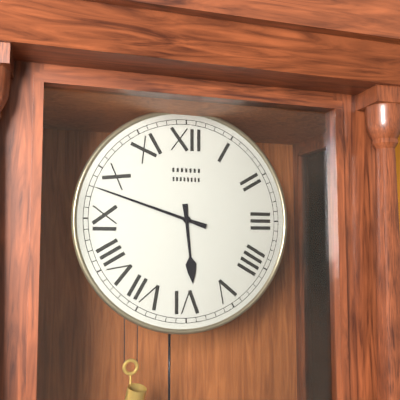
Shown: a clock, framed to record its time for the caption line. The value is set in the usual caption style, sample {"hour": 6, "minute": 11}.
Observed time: {"hour": 5, "minute": 48}
